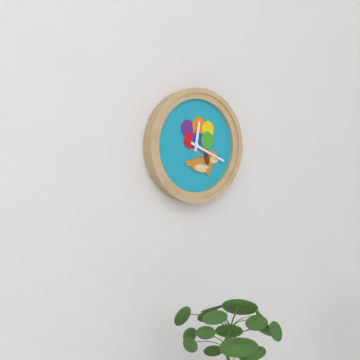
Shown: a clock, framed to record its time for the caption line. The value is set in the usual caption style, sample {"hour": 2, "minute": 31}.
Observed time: {"hour": 12, "minute": 19}
